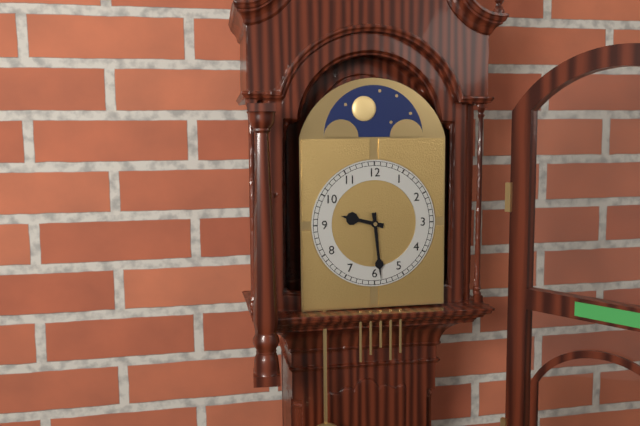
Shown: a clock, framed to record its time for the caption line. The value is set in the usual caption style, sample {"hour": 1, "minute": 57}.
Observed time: {"hour": 9, "minute": 29}
